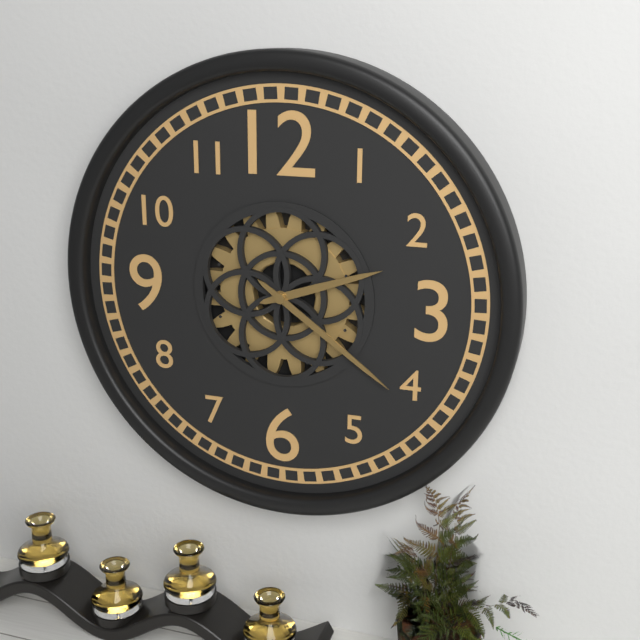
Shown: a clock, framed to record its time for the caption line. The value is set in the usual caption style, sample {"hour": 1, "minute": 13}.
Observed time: {"hour": 2, "minute": 21}
